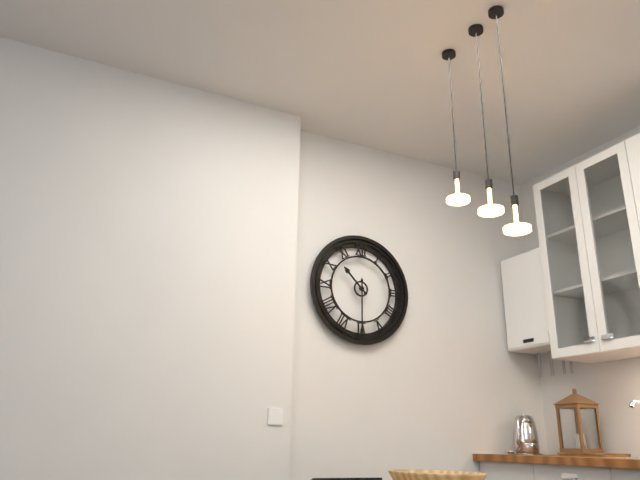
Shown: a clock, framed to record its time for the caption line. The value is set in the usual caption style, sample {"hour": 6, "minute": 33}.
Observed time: {"hour": 10, "minute": 30}
